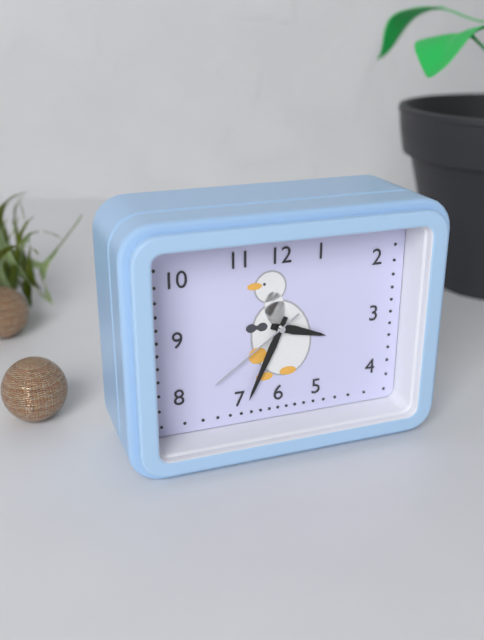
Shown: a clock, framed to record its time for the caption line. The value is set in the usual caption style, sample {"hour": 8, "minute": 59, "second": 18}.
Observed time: {"hour": 3, "minute": 34, "second": 39}
